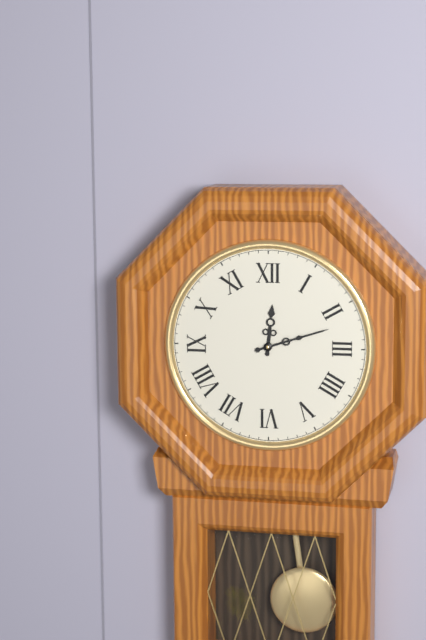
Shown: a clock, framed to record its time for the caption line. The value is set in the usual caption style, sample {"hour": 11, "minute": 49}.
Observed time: {"hour": 12, "minute": 12}
